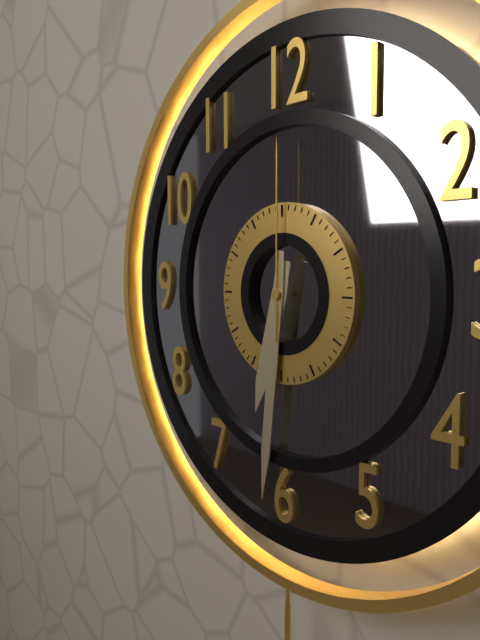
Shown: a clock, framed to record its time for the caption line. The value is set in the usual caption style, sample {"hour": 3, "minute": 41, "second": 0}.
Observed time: {"hour": 6, "minute": 31, "second": 0}
